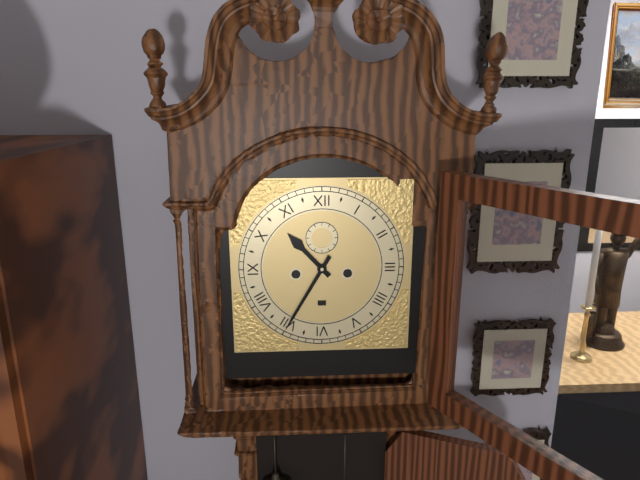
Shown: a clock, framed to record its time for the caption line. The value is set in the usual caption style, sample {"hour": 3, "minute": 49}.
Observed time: {"hour": 10, "minute": 35}
